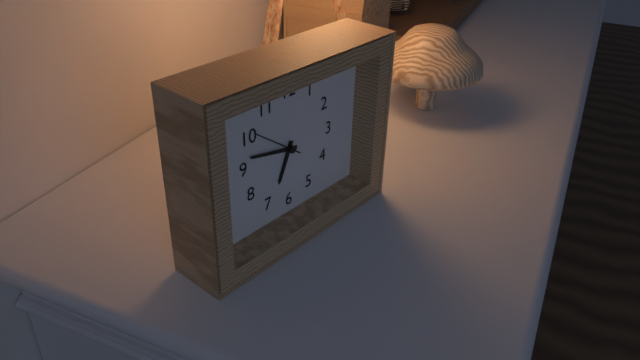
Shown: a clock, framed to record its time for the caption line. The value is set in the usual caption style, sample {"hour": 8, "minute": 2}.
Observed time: {"hour": 6, "minute": 47}
